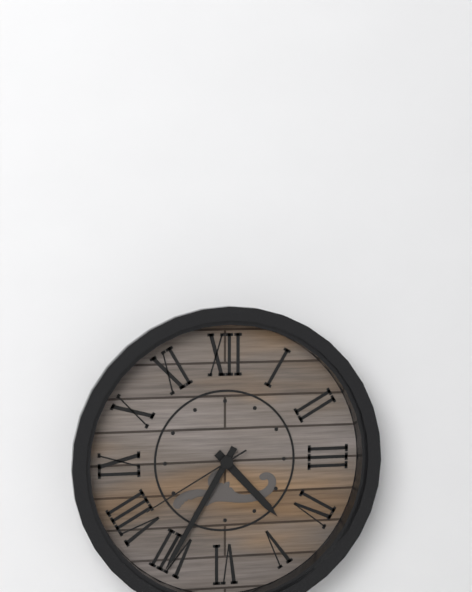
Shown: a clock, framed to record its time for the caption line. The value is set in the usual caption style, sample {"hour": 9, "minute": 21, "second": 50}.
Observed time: {"hour": 4, "minute": 35, "second": 40}
